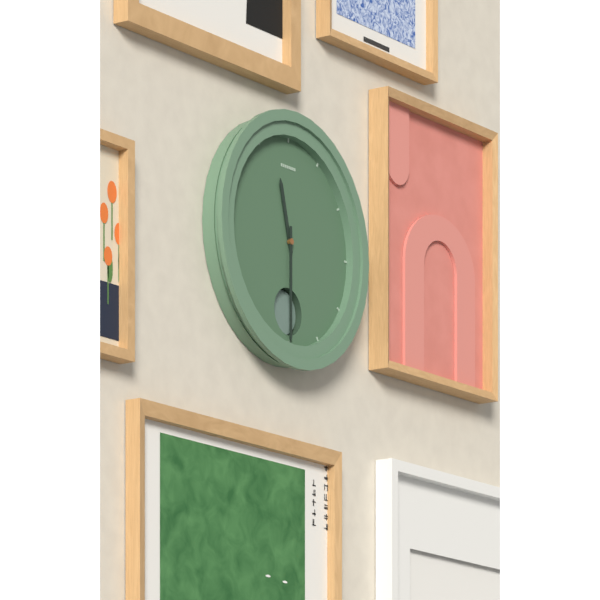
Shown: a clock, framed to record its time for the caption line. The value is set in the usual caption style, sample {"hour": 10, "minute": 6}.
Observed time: {"hour": 11, "minute": 30}
